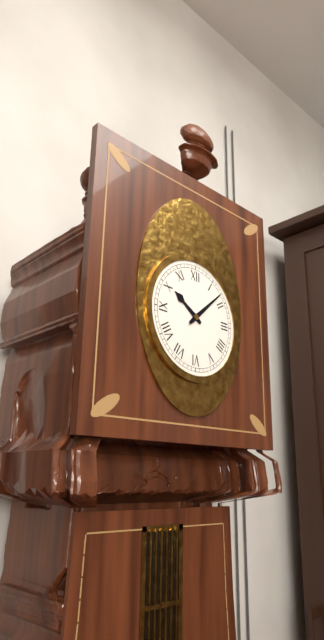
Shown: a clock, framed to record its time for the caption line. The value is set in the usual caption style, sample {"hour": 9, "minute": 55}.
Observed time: {"hour": 10, "minute": 8}
